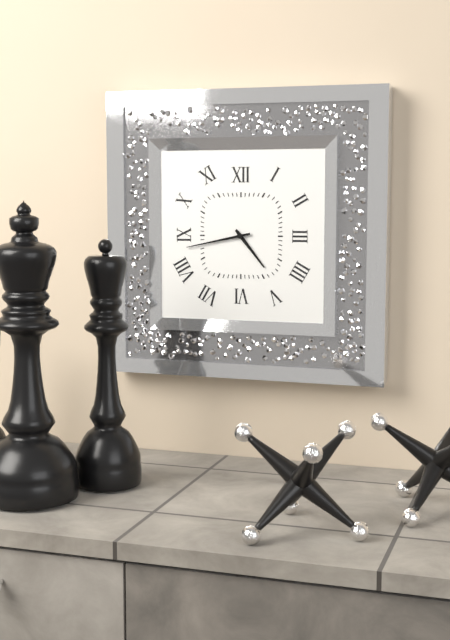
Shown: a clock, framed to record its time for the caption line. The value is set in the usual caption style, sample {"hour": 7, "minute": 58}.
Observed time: {"hour": 4, "minute": 43}
